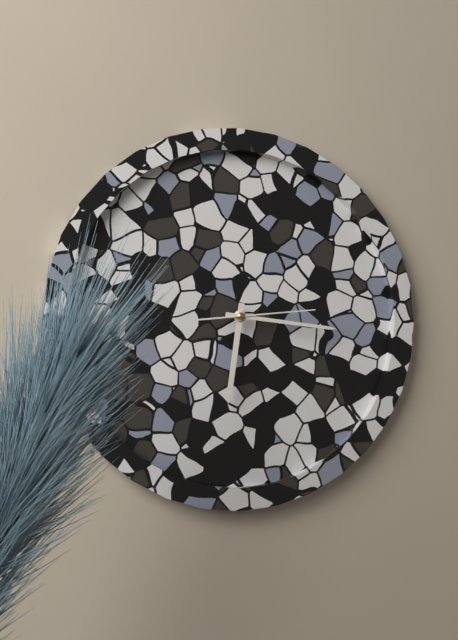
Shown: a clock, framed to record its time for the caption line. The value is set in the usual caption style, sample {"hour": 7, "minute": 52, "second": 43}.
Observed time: {"hour": 6, "minute": 16, "second": 14}
